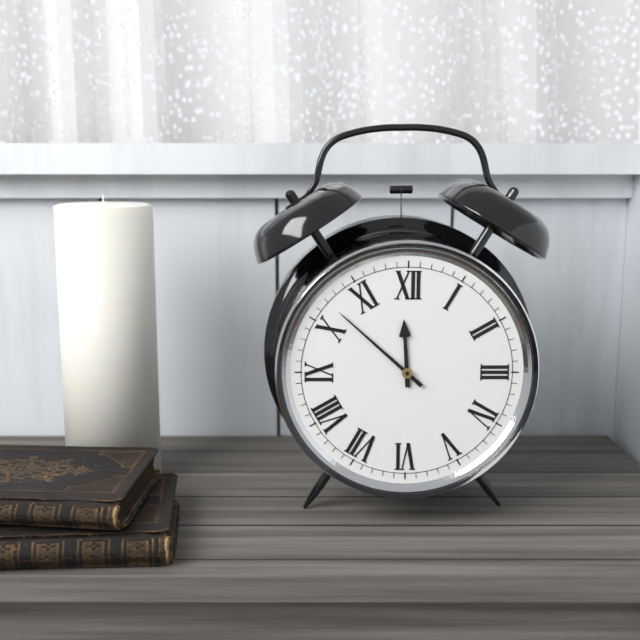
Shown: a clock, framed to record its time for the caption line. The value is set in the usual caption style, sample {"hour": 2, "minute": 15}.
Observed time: {"hour": 11, "minute": 52}
